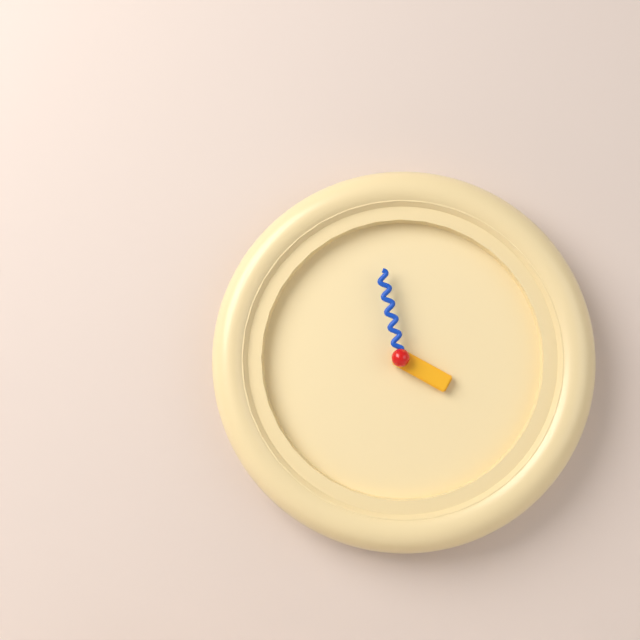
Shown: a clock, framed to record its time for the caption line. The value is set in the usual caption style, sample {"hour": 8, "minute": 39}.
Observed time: {"hour": 3, "minute": 58}
